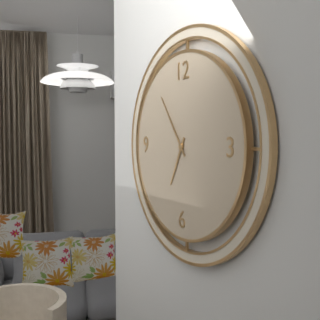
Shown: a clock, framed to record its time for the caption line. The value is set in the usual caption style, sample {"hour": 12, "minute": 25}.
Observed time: {"hour": 6, "minute": 54}
